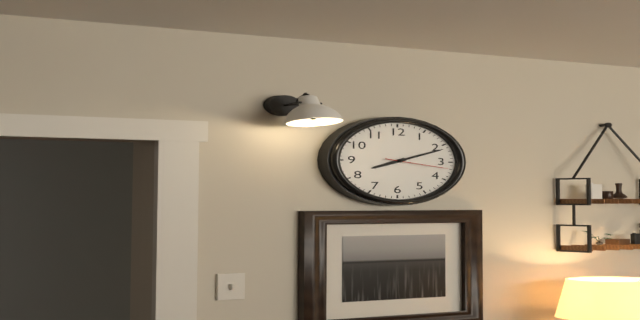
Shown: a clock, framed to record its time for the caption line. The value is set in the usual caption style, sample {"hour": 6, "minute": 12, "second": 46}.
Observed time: {"hour": 8, "minute": 11, "second": 17}
